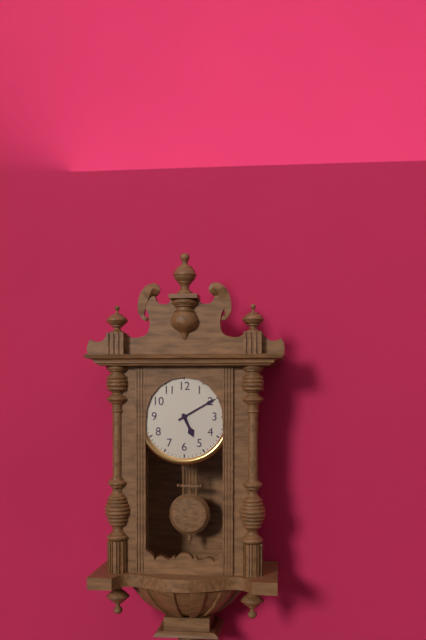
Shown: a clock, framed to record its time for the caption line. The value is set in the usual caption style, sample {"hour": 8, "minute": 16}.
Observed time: {"hour": 5, "minute": 10}
